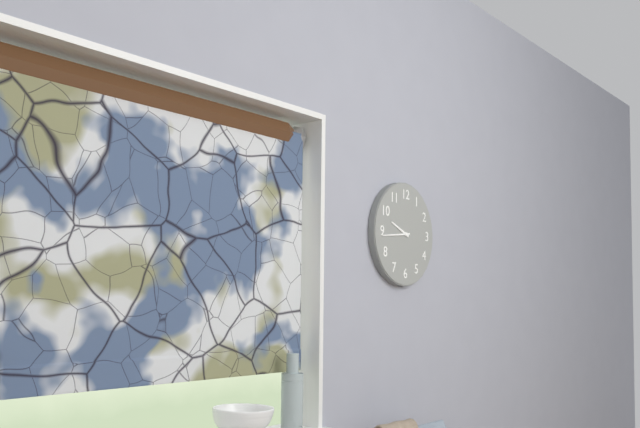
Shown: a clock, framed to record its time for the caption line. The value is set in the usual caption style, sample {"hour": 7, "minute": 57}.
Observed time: {"hour": 9, "minute": 44}
